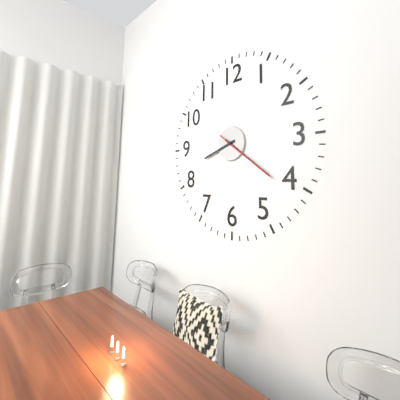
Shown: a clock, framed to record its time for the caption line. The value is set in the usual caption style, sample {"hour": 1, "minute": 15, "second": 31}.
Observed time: {"hour": 8, "minute": 21, "second": 21}
